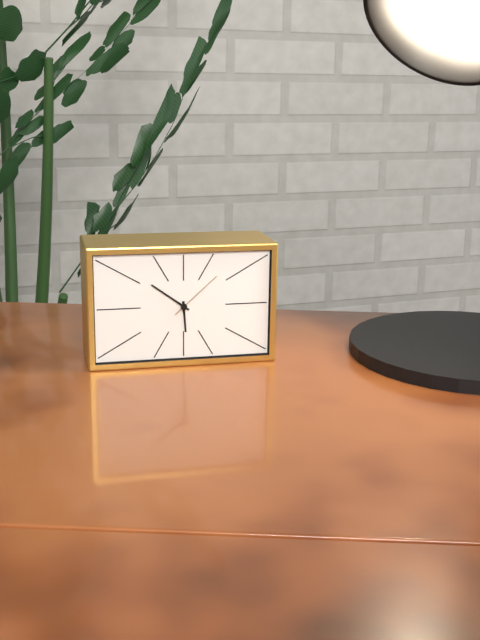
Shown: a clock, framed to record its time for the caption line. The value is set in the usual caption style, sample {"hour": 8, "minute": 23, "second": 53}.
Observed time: {"hour": 5, "minute": 51, "second": 8}
